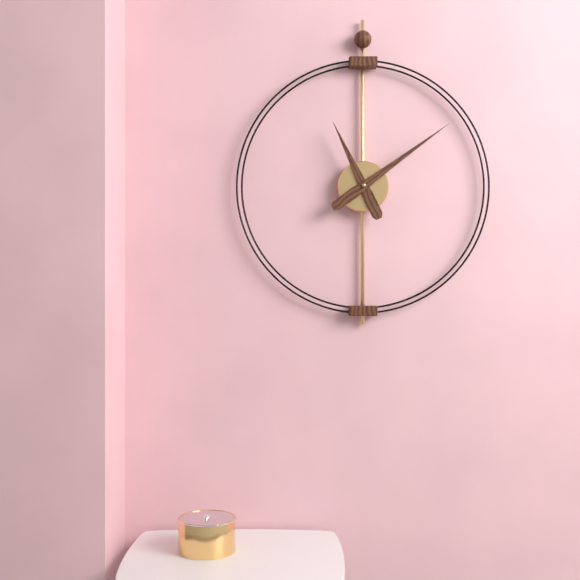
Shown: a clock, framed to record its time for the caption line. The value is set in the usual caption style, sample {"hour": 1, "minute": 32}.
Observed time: {"hour": 11, "minute": 9}
